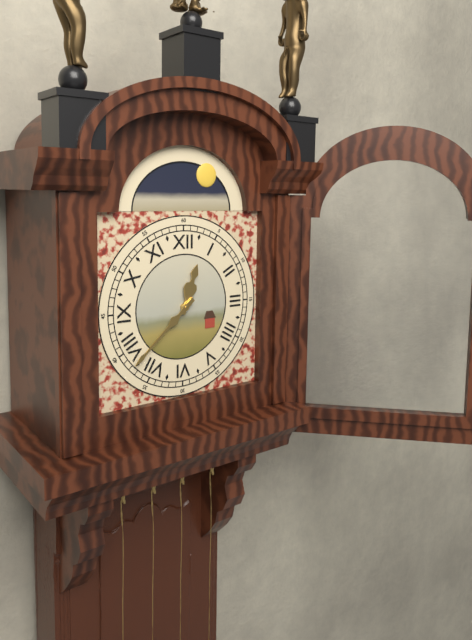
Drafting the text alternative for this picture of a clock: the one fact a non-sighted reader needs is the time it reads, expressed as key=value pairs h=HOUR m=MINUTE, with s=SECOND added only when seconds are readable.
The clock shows h=12 m=38
